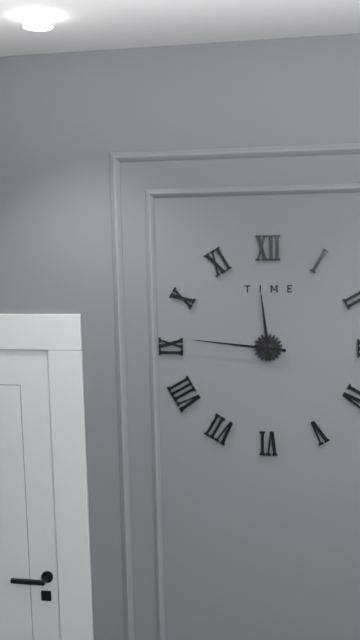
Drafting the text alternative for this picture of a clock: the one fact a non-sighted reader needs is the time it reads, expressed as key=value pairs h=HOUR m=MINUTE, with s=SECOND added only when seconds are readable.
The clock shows h=11 m=46
